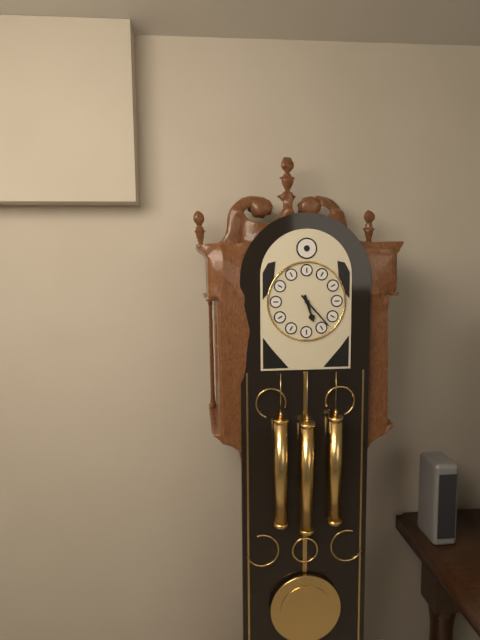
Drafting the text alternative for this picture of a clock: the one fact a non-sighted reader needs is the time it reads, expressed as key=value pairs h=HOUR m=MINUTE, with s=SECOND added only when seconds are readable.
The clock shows h=5 m=23
